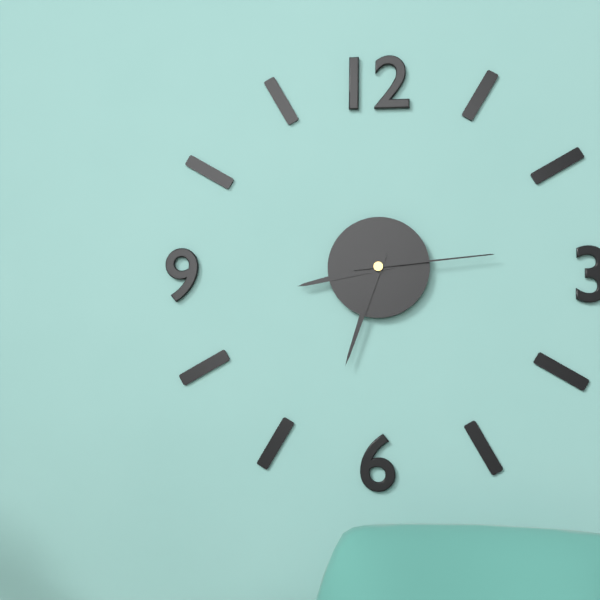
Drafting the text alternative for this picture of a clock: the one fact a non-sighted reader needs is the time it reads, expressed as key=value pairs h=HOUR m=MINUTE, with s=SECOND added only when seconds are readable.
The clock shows h=8 m=33 s=14
